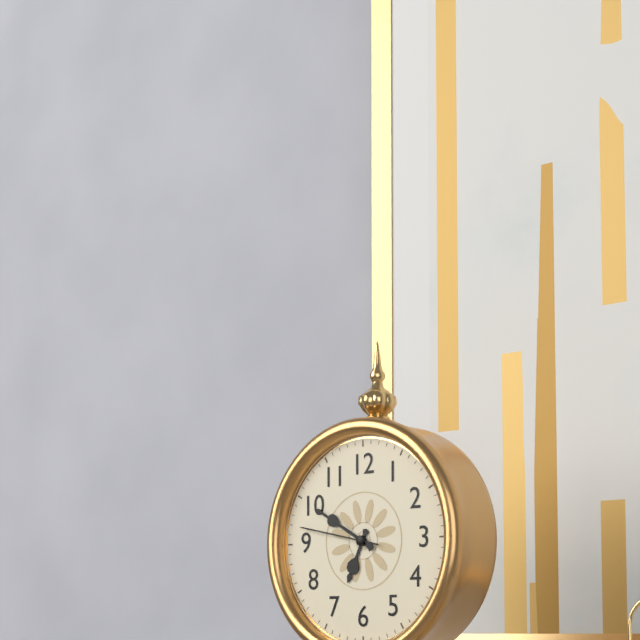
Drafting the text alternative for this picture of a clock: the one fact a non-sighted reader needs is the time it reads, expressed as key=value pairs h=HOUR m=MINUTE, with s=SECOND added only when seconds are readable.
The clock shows h=6 m=50 s=47
